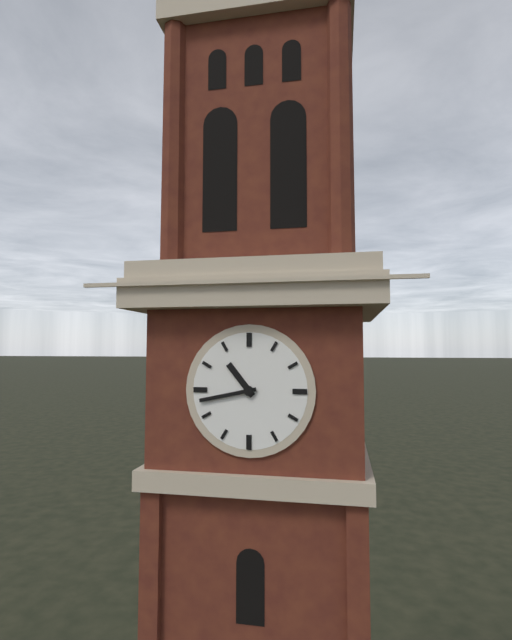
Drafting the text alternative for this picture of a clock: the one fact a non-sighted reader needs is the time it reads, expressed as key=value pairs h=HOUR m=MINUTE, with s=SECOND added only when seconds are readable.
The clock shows h=10 m=43
